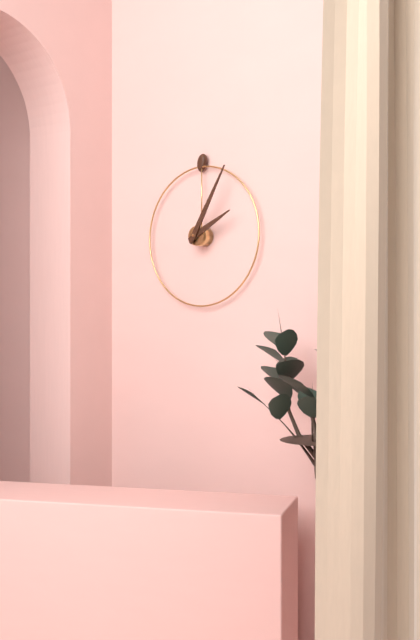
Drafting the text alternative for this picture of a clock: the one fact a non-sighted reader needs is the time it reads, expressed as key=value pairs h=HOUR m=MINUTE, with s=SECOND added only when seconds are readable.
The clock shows h=2 m=5
